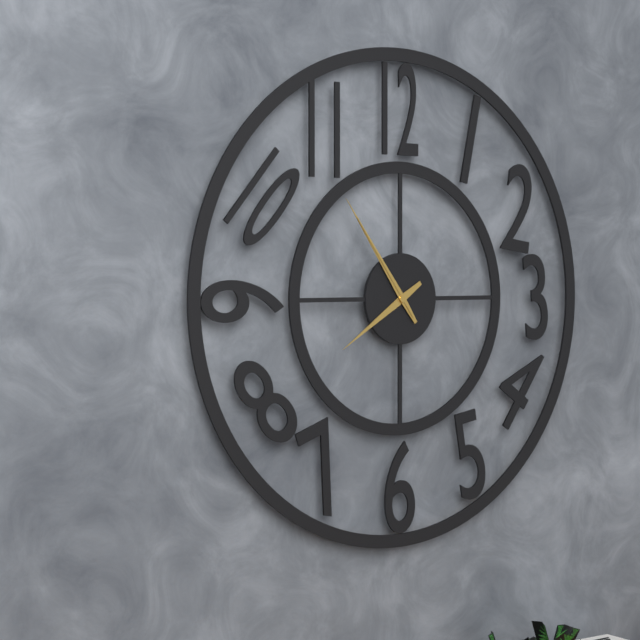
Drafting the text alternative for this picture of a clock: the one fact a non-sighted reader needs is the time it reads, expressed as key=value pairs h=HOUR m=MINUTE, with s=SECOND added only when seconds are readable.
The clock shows h=7 m=54 s=54
